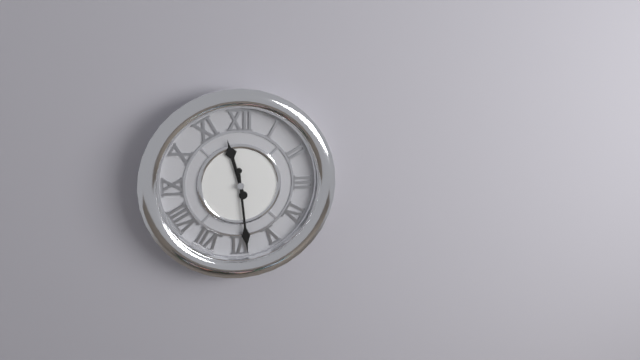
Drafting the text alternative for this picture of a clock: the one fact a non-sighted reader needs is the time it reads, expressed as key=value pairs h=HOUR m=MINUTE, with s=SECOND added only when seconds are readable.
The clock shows h=11 m=29
